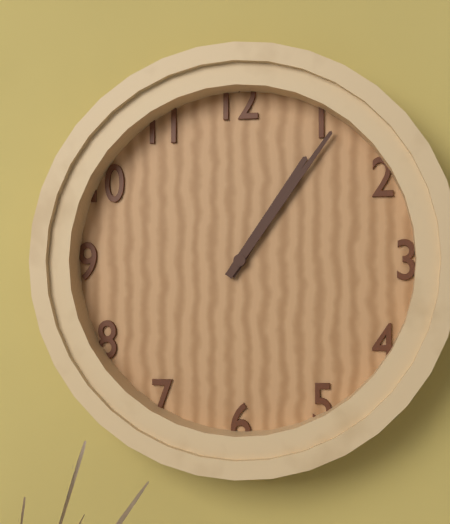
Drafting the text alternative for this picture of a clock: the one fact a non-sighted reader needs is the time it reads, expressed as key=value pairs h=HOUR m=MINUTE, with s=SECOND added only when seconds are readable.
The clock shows h=1 m=6
